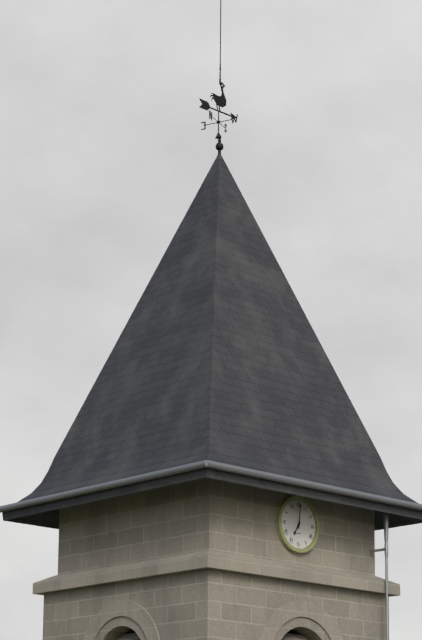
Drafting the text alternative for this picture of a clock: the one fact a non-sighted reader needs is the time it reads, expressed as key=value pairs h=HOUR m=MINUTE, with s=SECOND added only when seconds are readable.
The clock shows h=7 m=1
